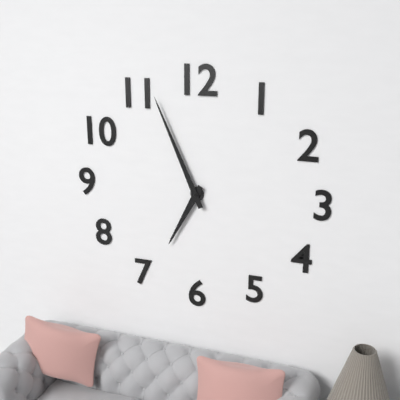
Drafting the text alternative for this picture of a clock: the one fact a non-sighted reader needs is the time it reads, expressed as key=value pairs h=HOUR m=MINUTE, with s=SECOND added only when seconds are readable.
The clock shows h=6 m=56
